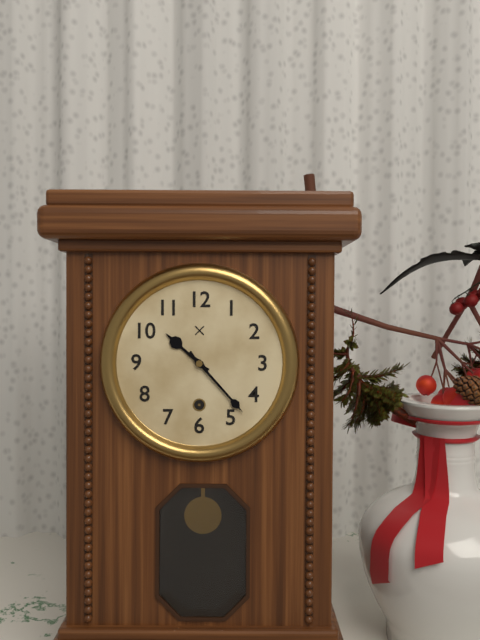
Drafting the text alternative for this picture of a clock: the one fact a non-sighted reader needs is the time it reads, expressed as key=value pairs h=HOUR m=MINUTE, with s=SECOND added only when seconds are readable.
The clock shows h=10 m=23
